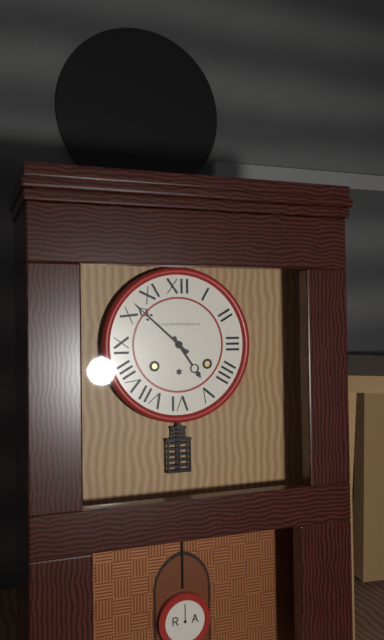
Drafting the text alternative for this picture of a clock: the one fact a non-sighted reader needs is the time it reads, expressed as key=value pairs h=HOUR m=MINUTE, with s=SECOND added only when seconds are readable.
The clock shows h=4 m=52
